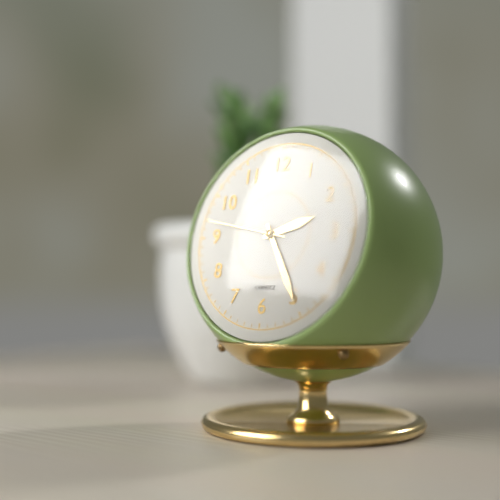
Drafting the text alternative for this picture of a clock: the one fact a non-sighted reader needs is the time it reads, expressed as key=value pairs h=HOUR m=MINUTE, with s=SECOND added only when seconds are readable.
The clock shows h=2 m=25 s=47
